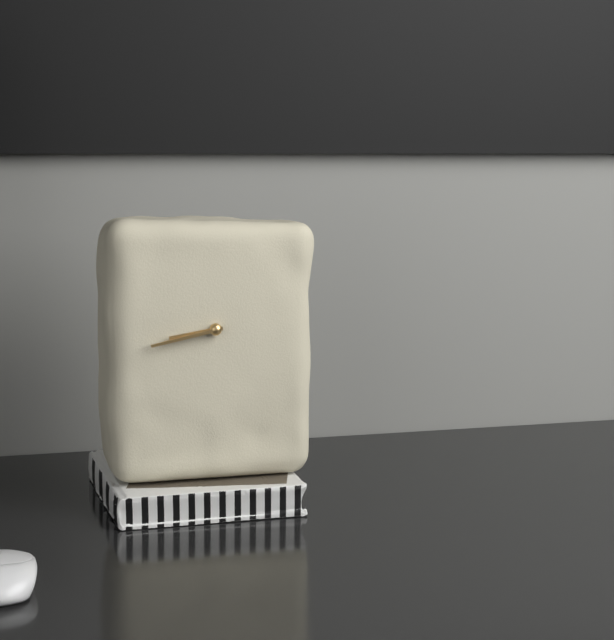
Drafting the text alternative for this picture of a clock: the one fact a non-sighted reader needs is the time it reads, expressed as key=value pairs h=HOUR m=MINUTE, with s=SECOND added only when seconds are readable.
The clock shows h=8 m=43
